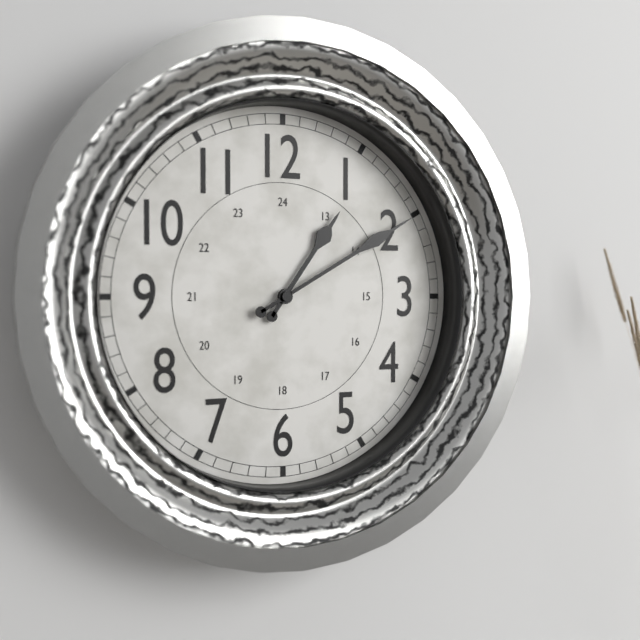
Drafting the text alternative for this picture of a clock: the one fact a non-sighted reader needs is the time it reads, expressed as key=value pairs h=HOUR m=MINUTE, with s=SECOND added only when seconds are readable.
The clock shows h=1 m=10
